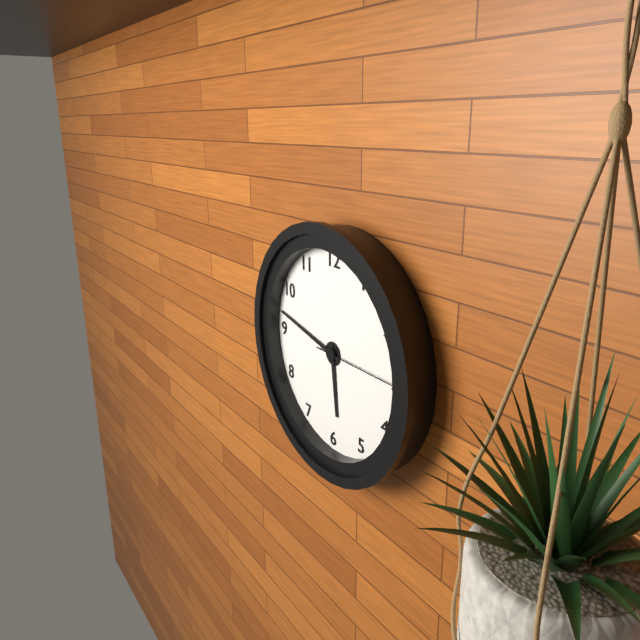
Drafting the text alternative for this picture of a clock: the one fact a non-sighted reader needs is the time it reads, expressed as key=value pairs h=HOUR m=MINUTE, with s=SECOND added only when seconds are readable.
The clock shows h=5 m=47 s=15
